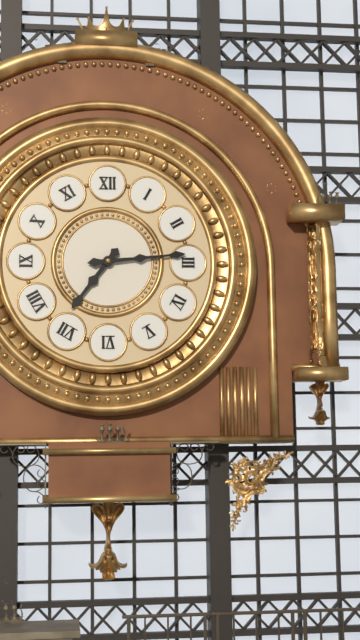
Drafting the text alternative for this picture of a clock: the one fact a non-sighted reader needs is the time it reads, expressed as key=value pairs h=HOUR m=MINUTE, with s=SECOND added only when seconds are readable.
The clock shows h=7 m=14
